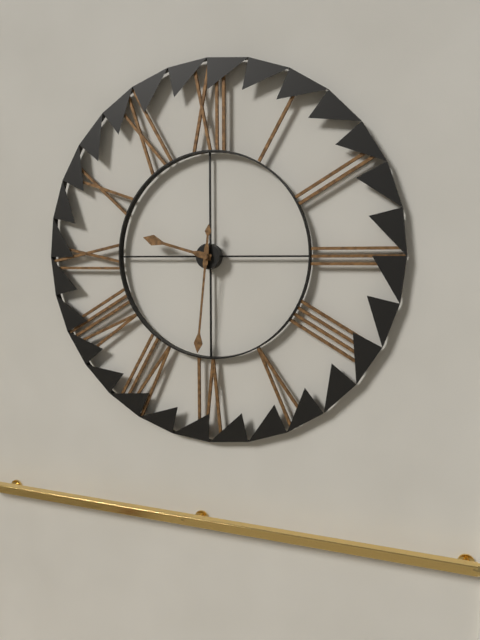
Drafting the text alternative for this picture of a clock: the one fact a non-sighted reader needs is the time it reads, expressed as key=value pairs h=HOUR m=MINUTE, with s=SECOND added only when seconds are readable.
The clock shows h=9 m=31
